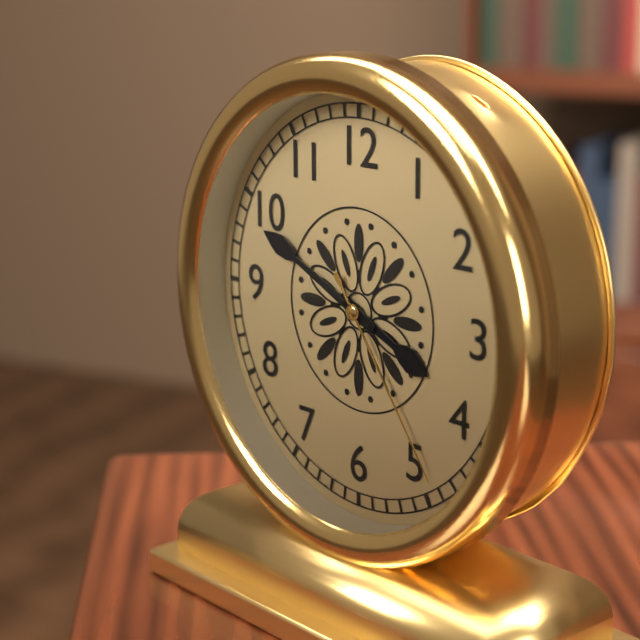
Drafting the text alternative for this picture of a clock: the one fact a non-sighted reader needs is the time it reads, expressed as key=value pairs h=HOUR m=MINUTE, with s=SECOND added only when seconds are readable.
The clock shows h=3 m=49 s=24
